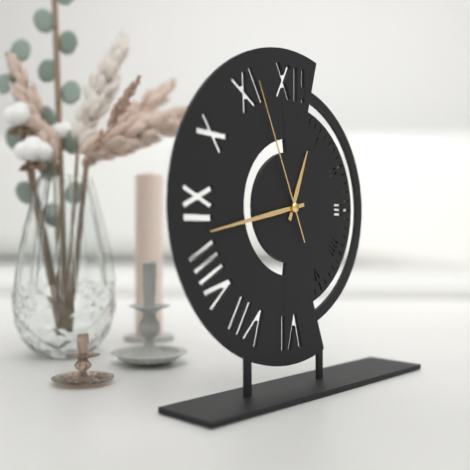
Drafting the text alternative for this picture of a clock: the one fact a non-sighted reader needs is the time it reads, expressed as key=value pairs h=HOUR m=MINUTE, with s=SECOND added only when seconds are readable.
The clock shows h=12 m=43 s=56
